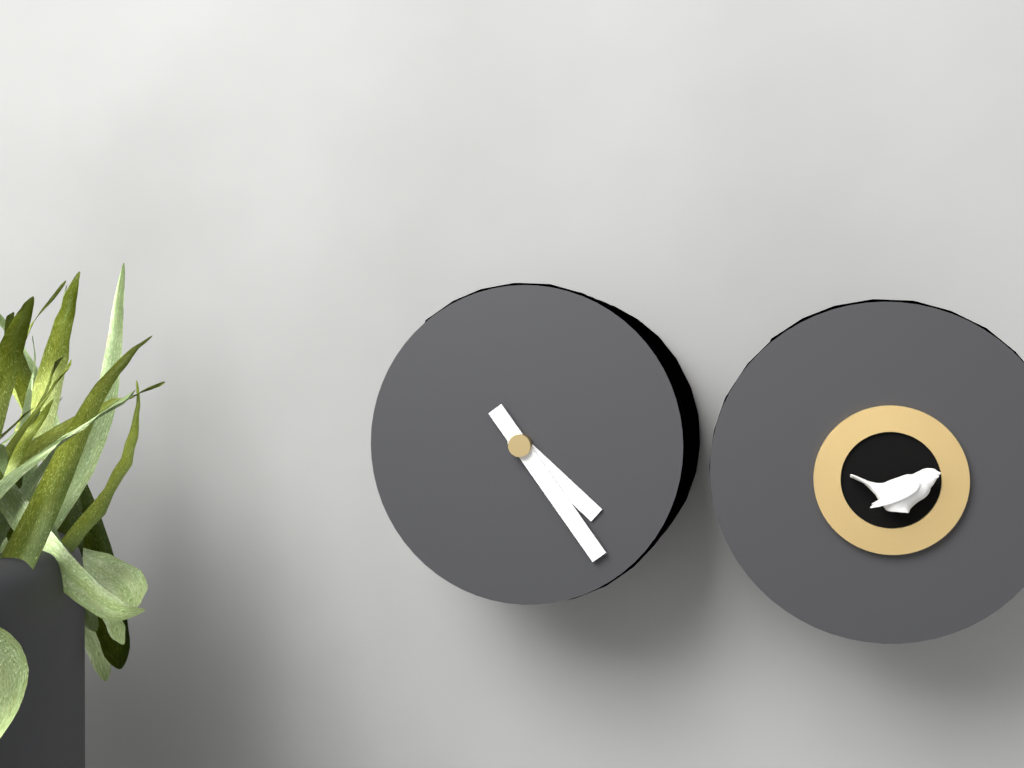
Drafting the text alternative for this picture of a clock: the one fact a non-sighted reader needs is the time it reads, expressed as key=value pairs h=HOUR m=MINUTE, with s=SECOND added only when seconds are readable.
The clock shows h=4 m=24
